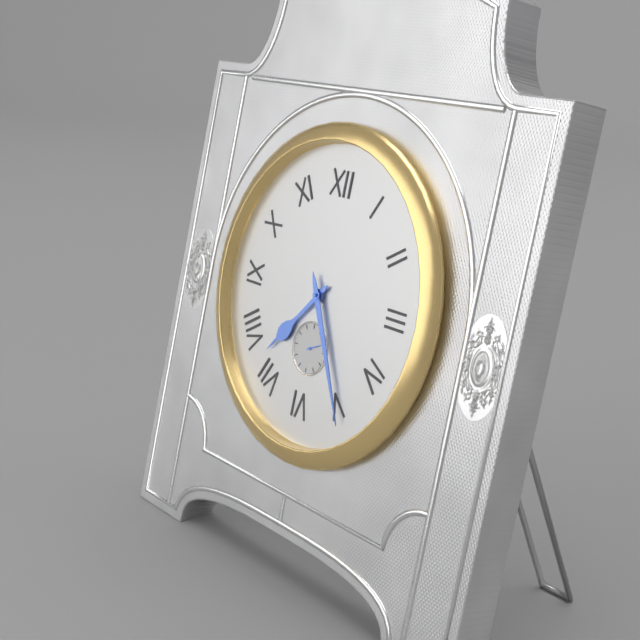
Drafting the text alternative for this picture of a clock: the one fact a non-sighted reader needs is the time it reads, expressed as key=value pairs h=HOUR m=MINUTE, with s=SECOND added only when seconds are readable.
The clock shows h=7 m=25
